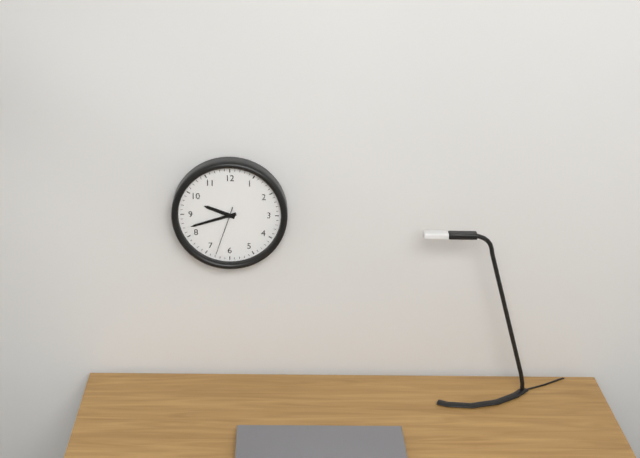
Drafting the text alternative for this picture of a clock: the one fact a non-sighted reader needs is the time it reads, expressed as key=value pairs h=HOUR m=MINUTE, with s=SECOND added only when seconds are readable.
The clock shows h=9 m=42 s=33
